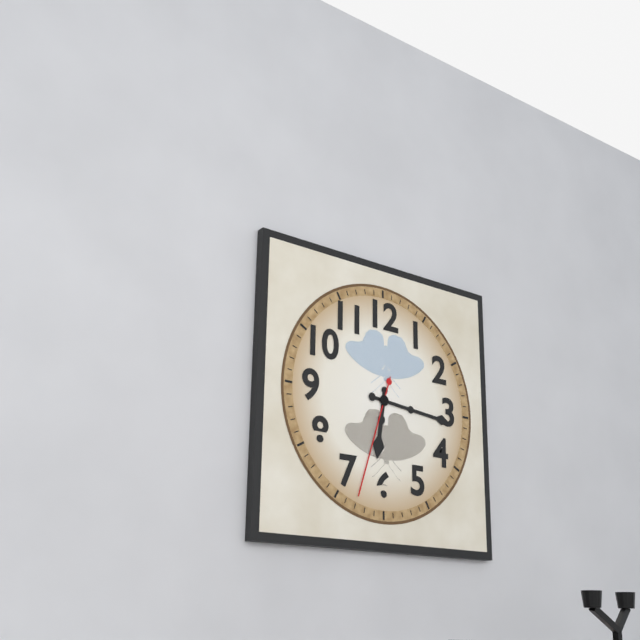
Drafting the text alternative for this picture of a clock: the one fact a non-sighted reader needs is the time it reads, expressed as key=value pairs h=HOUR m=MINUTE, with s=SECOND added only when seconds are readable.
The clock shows h=6 m=16 s=33
